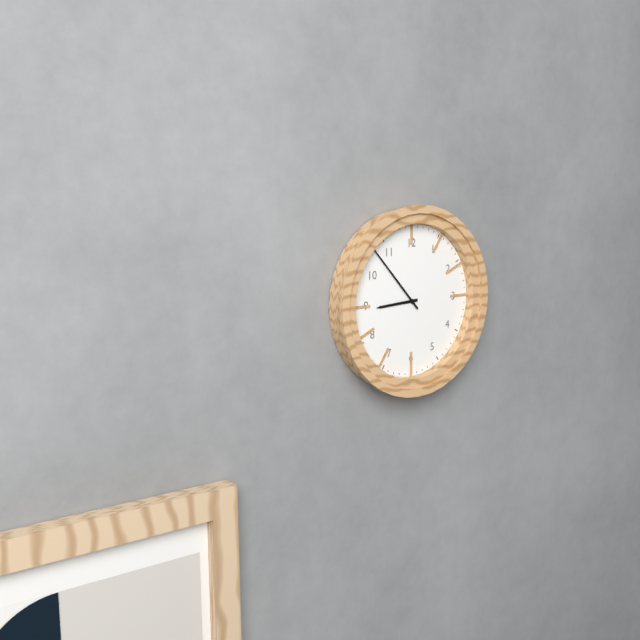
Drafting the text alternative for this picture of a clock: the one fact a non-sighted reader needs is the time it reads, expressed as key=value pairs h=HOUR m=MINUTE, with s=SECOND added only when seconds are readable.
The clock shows h=8 m=53
